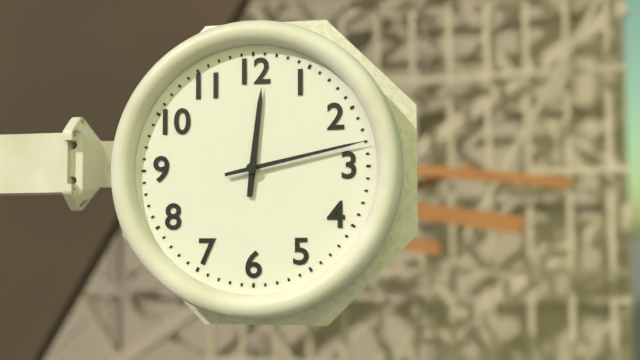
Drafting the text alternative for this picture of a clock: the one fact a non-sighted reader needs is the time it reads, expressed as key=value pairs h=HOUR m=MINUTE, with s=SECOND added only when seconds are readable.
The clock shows h=12 m=13
